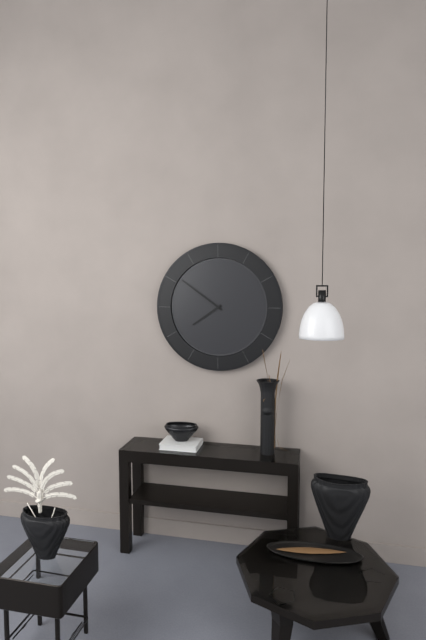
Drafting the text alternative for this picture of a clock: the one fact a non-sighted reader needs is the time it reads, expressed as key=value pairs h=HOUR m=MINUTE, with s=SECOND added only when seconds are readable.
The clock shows h=7 m=51
